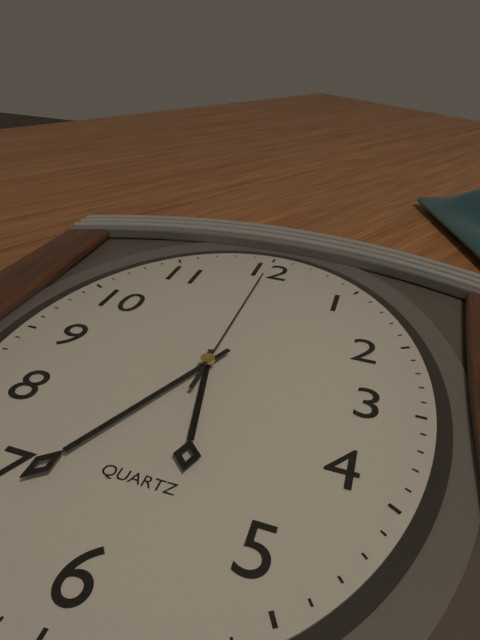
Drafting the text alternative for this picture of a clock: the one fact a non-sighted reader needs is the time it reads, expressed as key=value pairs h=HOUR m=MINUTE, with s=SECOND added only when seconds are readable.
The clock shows h=5 m=34 s=0
